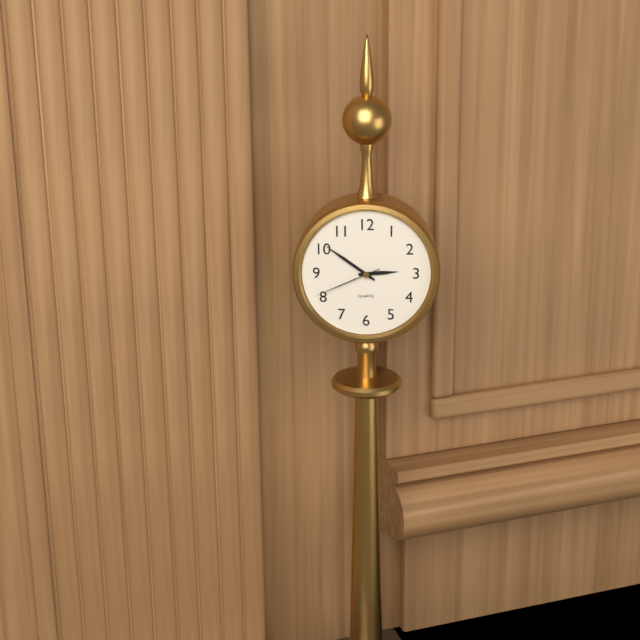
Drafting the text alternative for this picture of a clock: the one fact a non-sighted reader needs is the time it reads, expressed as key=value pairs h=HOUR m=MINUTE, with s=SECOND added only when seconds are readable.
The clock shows h=2 m=51 s=41
